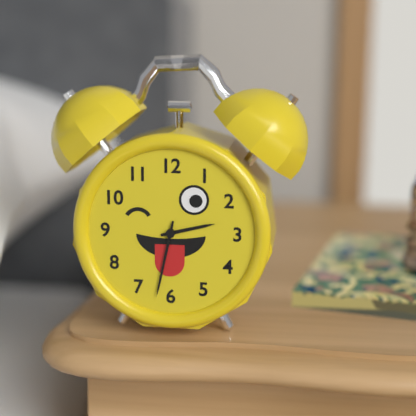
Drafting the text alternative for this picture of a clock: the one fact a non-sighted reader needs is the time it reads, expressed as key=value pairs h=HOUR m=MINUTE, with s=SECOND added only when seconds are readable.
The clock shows h=2 m=32
